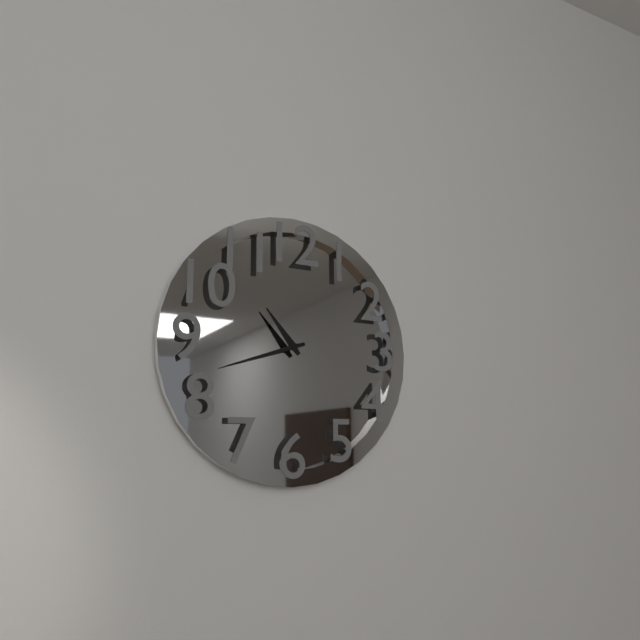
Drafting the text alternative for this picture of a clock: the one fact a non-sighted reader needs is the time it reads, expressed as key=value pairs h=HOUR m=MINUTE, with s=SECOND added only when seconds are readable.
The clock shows h=10 m=42
